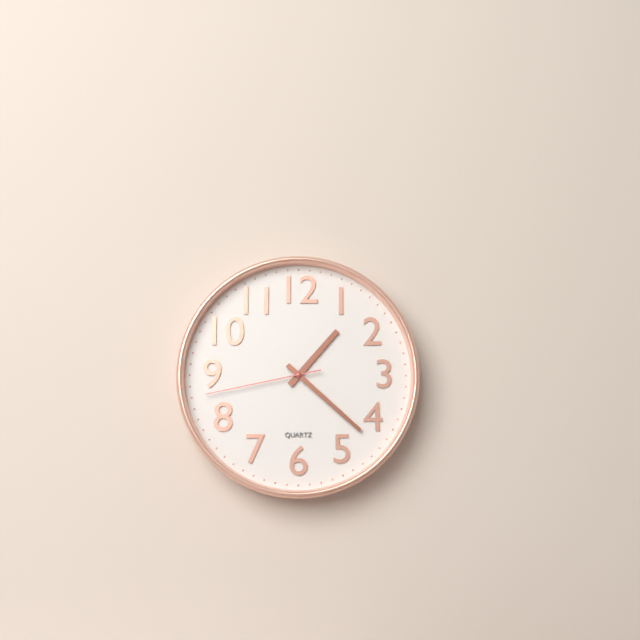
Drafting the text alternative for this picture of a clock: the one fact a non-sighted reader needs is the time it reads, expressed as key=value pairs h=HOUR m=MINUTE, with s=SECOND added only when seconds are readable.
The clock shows h=1 m=22 s=43
